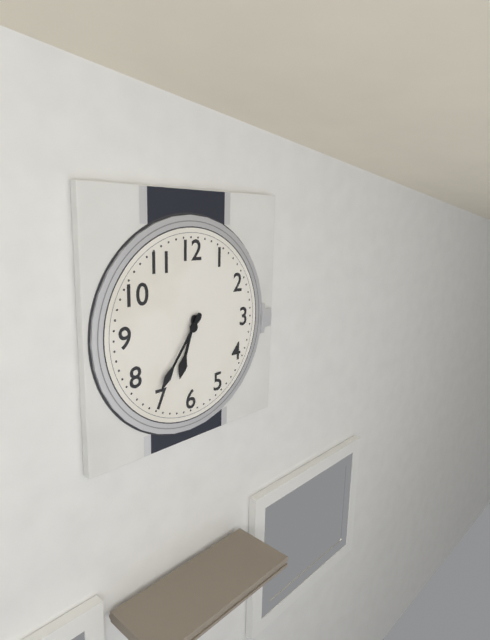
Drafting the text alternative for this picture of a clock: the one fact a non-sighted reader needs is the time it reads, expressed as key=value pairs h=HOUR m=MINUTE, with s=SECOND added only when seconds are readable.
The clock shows h=6 m=36
